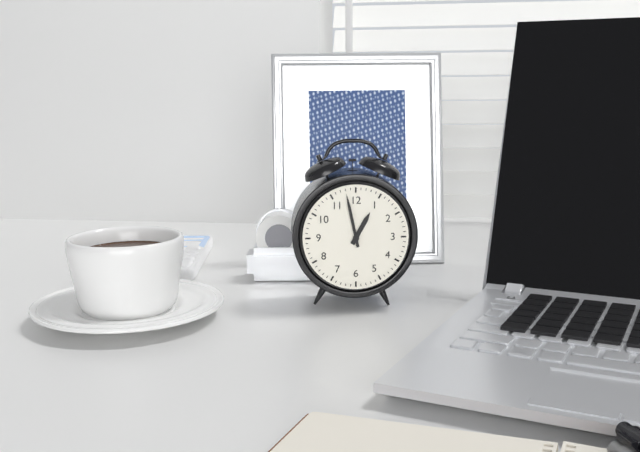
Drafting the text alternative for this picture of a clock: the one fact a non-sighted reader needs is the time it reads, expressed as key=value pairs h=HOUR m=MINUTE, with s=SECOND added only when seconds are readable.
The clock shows h=12 m=58
